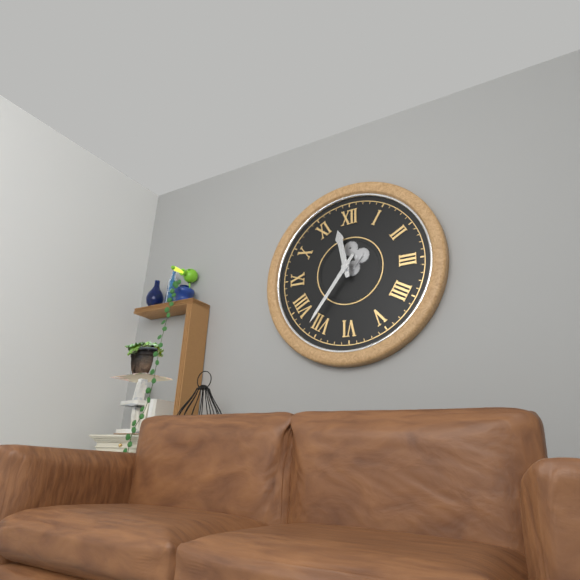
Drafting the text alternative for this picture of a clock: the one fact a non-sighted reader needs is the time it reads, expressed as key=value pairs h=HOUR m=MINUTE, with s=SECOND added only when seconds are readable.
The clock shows h=11 m=36
